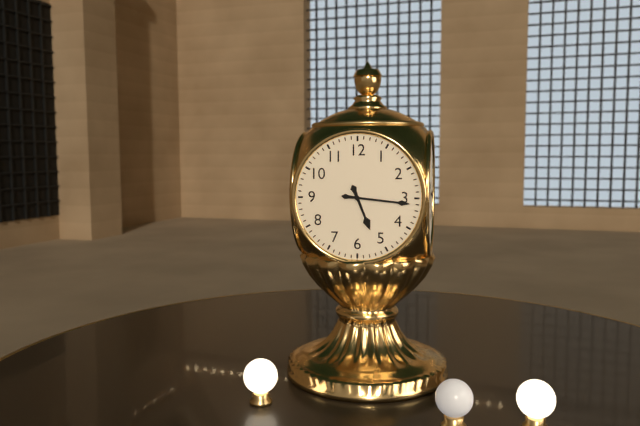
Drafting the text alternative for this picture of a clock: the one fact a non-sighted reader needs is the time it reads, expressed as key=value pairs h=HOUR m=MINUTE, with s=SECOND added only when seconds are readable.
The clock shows h=5 m=16
